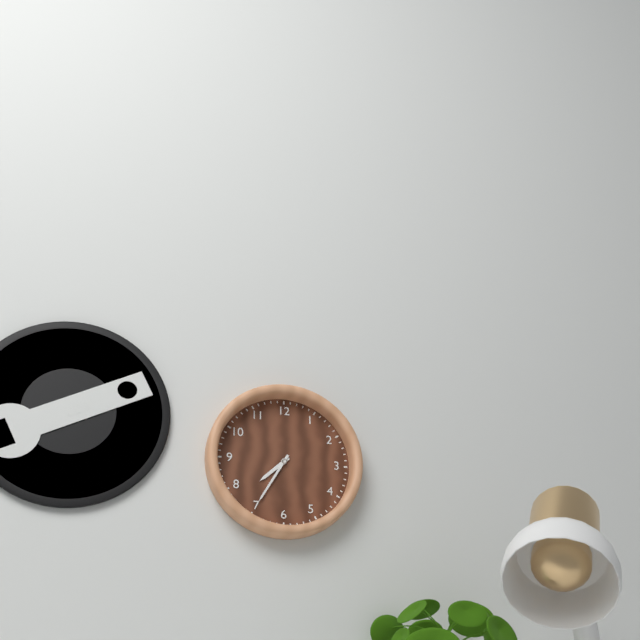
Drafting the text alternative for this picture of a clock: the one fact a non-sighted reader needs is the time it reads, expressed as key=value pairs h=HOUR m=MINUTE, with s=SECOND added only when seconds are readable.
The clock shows h=7 m=35
